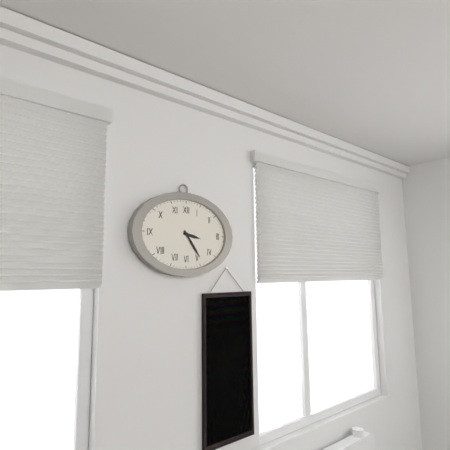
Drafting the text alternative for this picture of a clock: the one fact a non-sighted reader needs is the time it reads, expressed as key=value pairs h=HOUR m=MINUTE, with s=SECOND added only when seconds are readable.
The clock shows h=3 m=24
